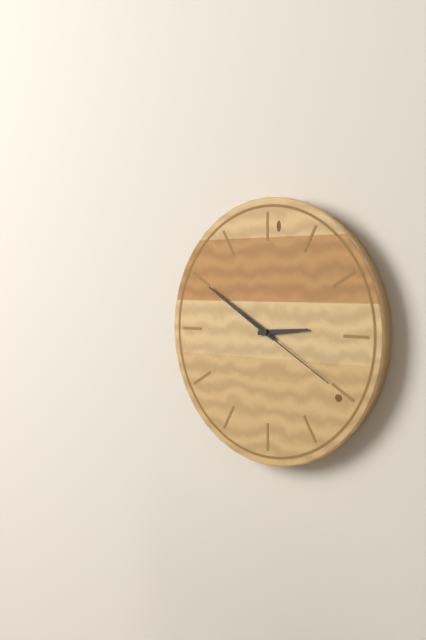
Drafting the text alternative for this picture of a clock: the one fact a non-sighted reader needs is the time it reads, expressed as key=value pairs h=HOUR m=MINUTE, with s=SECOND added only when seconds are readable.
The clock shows h=2 m=50 s=20
